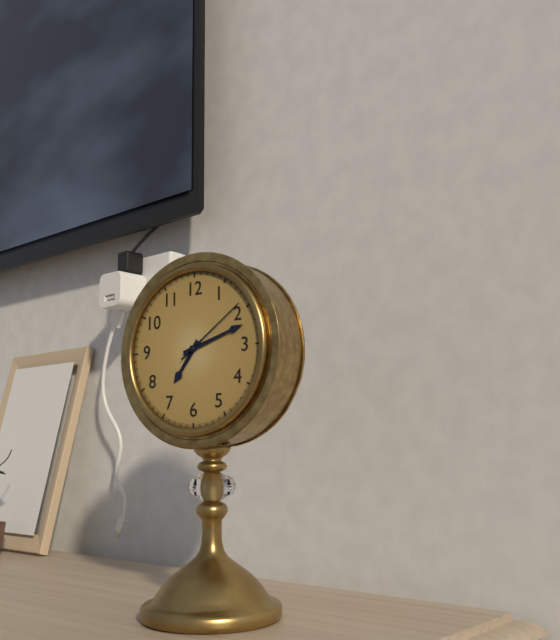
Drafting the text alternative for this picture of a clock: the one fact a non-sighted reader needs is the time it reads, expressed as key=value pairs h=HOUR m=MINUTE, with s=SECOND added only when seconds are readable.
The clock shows h=7 m=12 s=9
